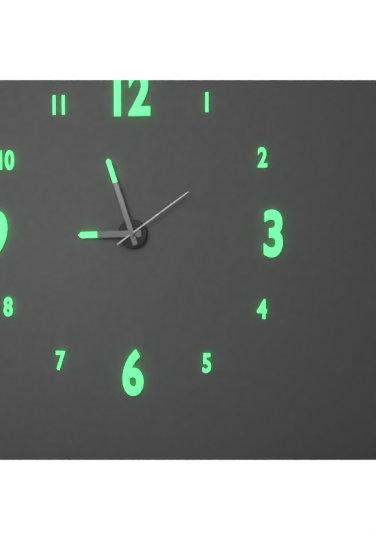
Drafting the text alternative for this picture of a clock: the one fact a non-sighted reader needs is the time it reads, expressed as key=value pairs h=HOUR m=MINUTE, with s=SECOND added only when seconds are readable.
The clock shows h=8 m=57 s=9
